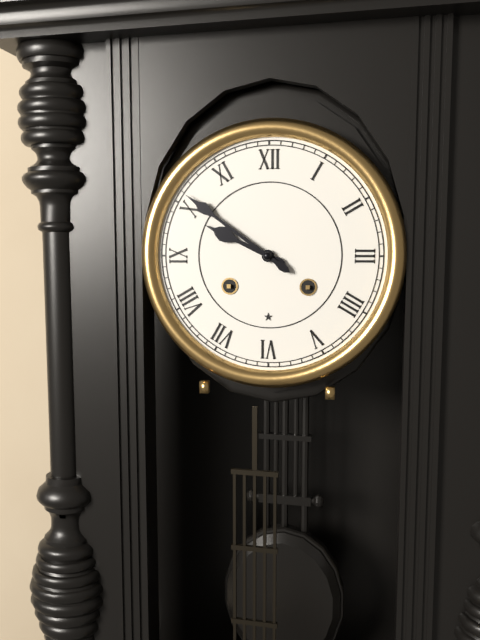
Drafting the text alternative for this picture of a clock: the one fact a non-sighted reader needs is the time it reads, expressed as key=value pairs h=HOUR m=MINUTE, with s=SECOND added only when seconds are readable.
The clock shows h=9 m=51
